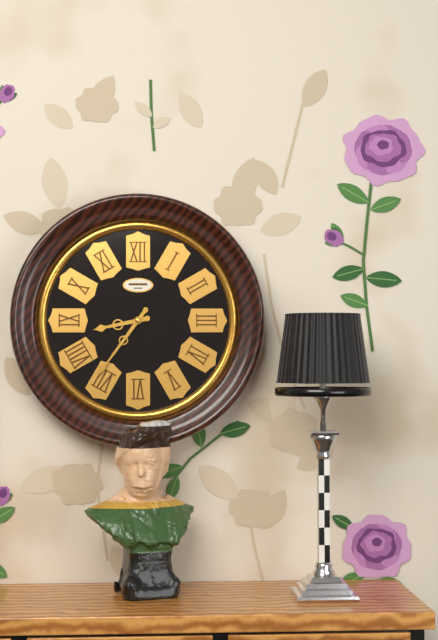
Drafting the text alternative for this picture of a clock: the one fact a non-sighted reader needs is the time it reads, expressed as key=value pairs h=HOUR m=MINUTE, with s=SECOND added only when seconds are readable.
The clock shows h=8 m=36
